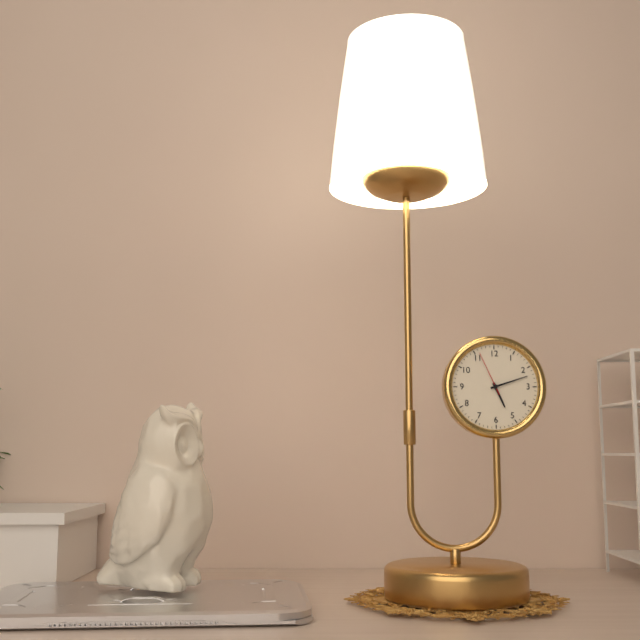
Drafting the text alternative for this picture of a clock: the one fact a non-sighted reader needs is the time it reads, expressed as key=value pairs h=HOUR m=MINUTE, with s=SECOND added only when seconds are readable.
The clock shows h=5 m=12
